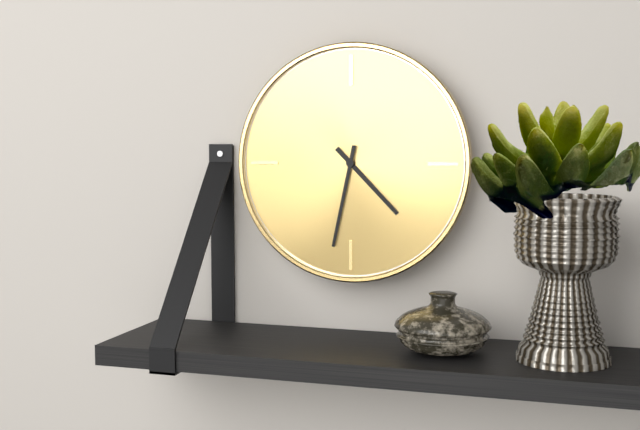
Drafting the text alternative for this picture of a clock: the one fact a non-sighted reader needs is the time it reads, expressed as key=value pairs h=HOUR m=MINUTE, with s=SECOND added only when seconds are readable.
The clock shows h=4 m=32
